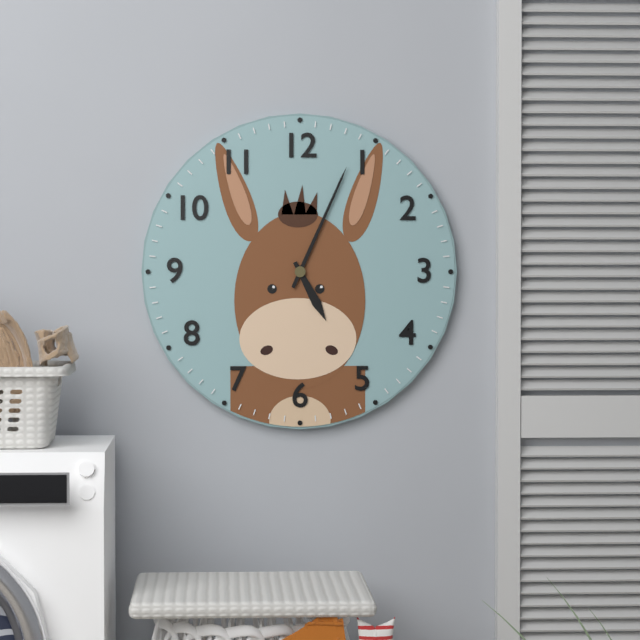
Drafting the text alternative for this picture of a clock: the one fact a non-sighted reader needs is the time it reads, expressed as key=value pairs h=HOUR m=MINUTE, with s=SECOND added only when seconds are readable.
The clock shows h=5 m=4
